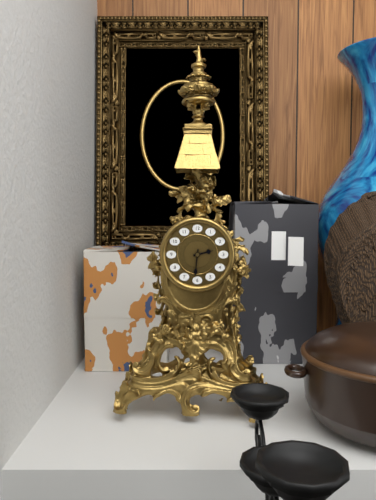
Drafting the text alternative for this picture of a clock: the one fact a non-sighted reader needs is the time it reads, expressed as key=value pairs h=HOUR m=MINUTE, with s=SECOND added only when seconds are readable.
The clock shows h=2 m=31
